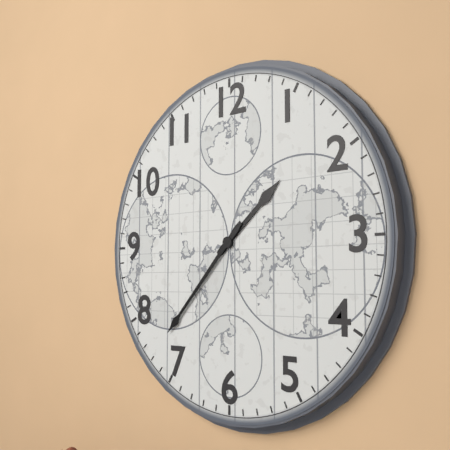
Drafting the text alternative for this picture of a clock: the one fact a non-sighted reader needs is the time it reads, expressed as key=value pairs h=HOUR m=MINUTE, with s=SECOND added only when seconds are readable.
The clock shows h=1 m=37
